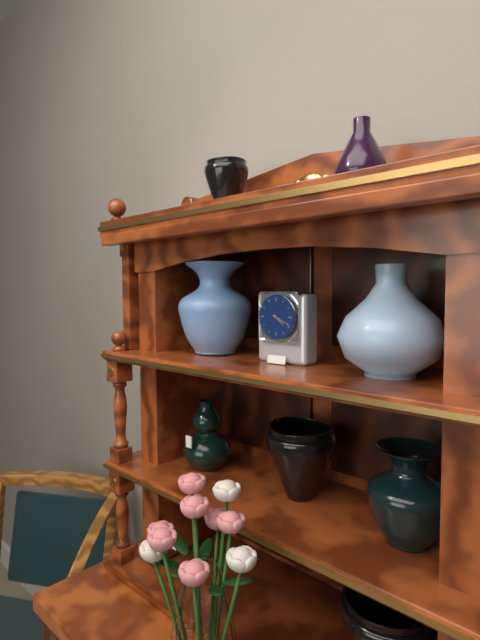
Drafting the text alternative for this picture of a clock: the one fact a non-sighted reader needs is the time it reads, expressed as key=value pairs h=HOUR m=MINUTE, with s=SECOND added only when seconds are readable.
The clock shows h=4 m=19
